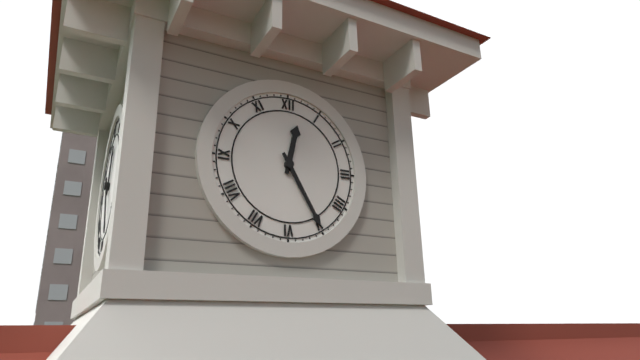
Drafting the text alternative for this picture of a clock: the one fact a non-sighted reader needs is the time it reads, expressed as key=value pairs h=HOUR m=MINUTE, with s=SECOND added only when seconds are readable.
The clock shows h=12 m=25
